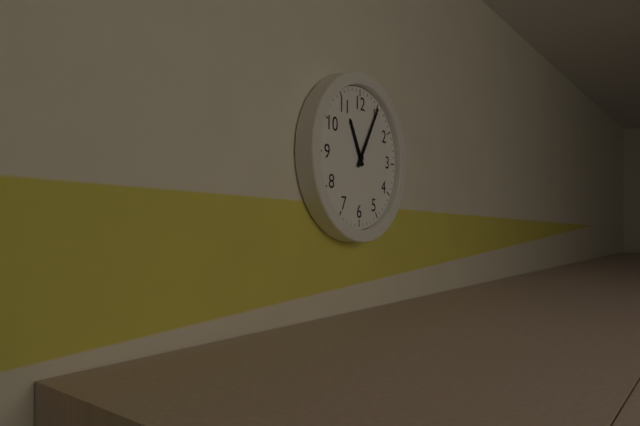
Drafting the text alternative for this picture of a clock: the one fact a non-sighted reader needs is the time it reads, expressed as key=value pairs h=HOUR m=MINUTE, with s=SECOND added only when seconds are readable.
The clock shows h=11 m=5
